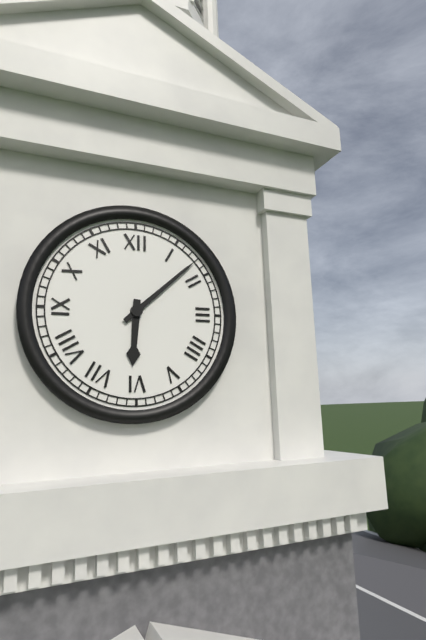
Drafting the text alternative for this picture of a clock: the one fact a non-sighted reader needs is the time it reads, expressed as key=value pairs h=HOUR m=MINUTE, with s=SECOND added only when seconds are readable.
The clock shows h=6 m=8
